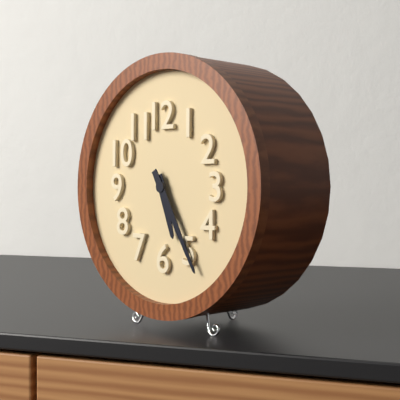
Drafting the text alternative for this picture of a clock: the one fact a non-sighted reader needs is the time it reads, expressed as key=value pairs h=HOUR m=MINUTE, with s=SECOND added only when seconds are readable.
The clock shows h=5 m=25
